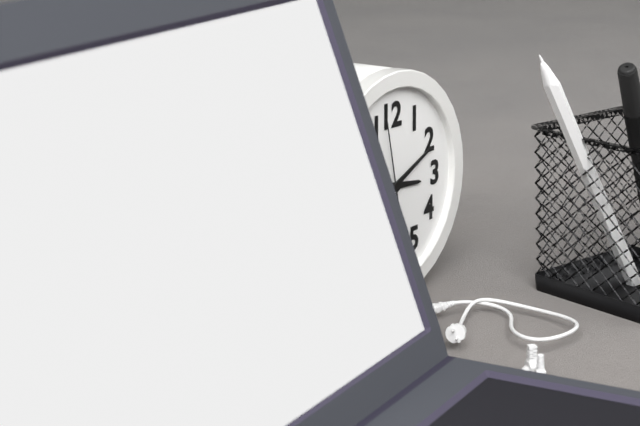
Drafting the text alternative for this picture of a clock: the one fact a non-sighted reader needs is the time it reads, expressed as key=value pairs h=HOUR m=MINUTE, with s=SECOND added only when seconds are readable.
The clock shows h=3 m=11 s=58
